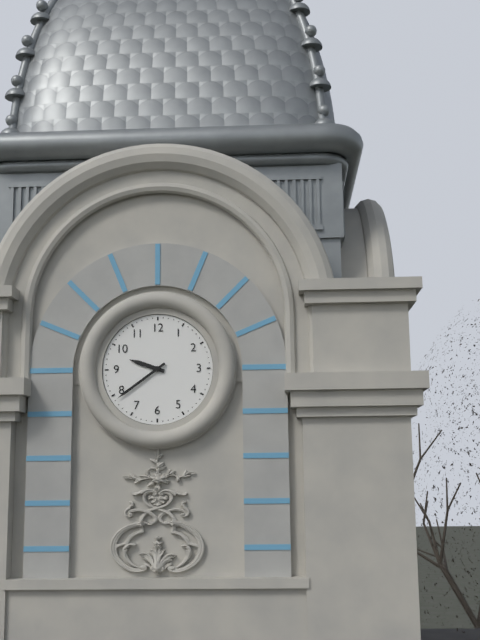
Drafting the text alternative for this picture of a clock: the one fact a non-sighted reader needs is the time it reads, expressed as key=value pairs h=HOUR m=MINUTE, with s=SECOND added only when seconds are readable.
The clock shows h=9 m=39
